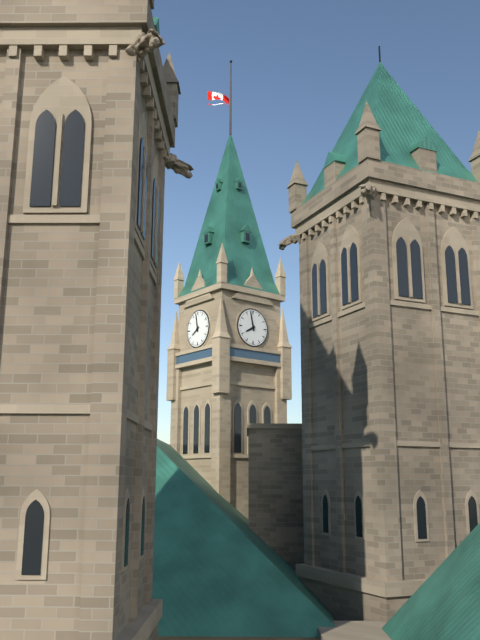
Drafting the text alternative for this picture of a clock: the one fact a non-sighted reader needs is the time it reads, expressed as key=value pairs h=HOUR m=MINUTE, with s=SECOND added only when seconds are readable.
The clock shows h=7 m=58
